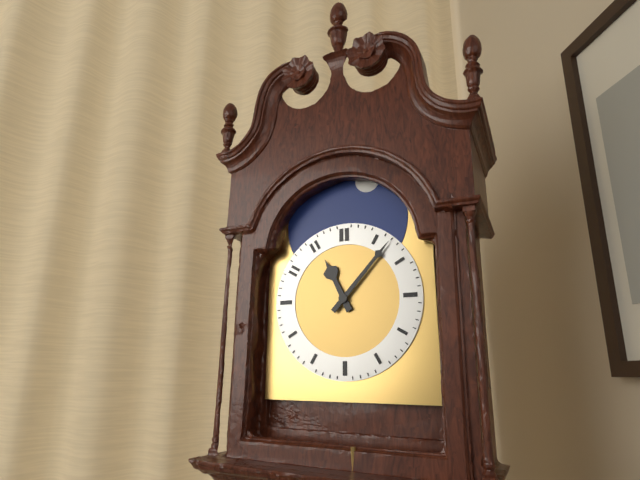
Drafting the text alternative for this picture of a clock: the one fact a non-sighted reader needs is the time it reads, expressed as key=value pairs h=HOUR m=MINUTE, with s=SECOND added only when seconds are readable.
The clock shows h=11 m=7
